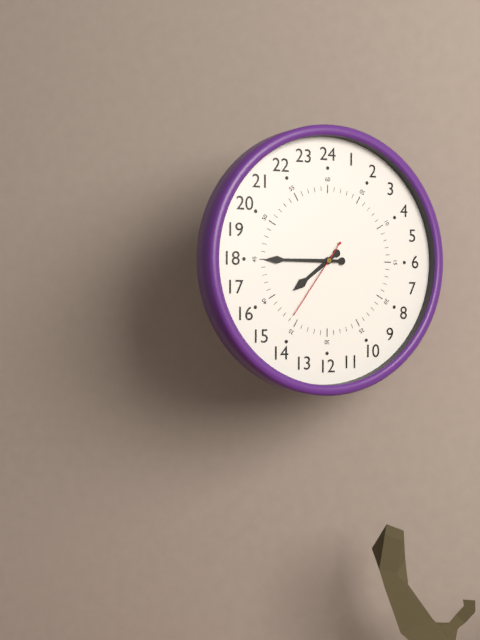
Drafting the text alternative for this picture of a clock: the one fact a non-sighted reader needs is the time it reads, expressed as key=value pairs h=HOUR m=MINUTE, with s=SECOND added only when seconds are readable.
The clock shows h=7 m=45 s=36
